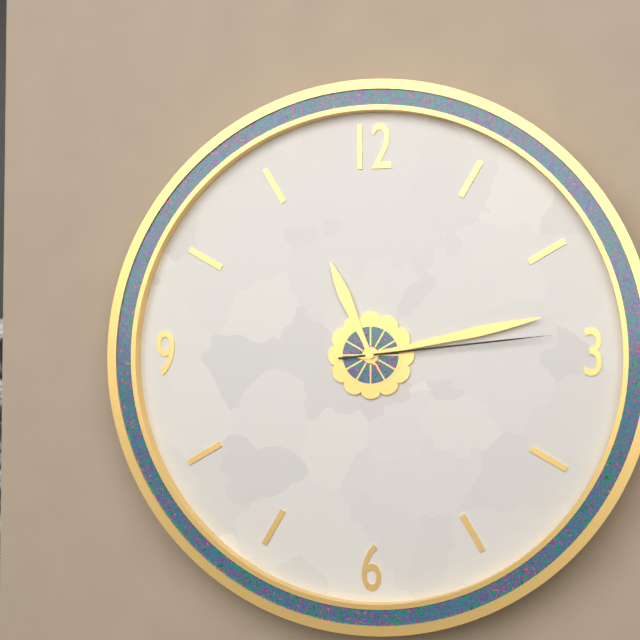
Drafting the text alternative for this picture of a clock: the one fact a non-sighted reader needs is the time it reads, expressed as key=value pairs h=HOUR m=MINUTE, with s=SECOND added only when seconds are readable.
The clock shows h=11 m=13 s=14
